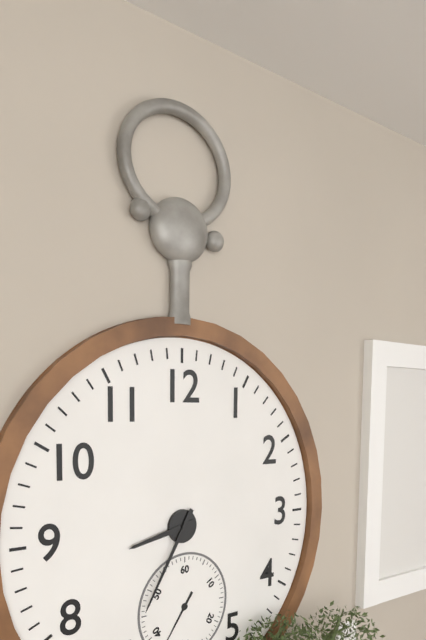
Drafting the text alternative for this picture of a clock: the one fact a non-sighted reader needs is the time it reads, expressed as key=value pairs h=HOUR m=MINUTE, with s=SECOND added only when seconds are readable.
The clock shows h=8 m=35
